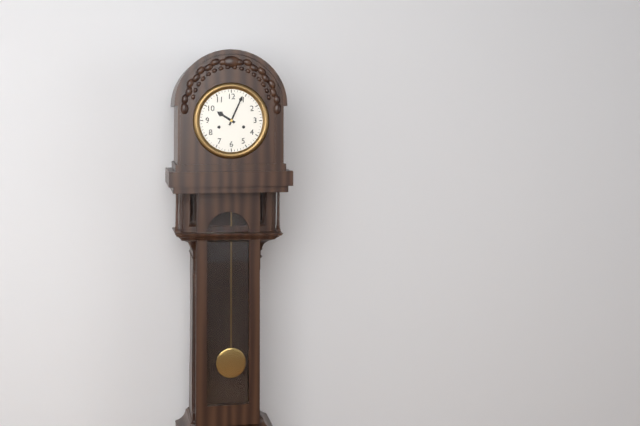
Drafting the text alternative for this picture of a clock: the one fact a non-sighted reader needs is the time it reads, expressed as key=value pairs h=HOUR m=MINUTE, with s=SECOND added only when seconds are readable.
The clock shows h=10 m=4
